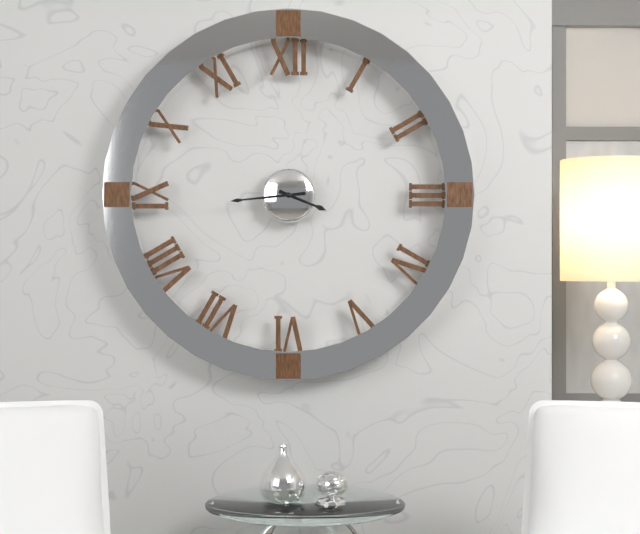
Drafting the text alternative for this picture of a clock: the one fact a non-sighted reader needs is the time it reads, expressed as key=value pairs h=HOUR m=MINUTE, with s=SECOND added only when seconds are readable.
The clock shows h=3 m=44
